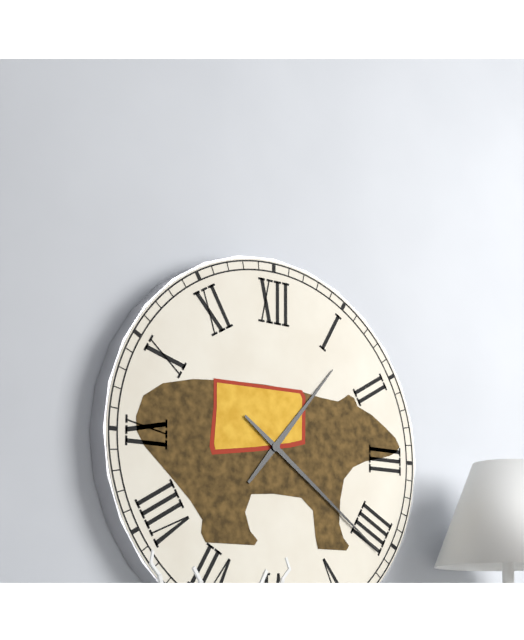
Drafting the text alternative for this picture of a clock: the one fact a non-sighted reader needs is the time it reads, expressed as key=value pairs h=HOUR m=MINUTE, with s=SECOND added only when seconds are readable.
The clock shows h=1 m=21
